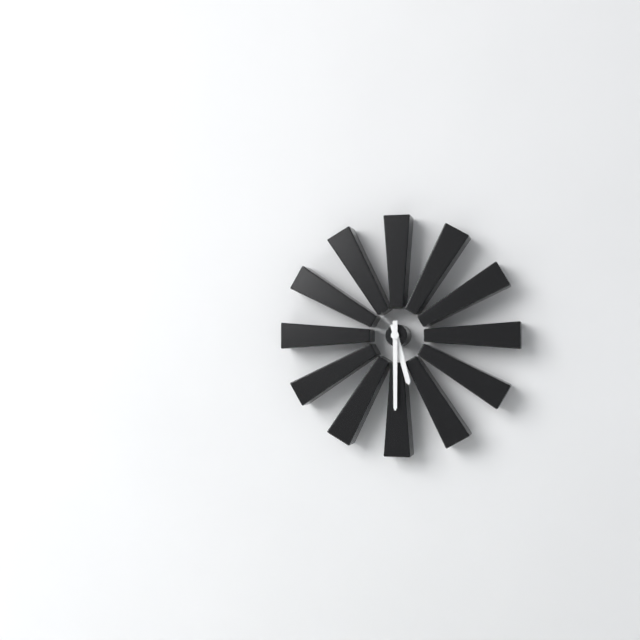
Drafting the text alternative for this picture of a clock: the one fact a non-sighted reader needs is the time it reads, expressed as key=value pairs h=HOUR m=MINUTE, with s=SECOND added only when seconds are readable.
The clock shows h=5 m=30
